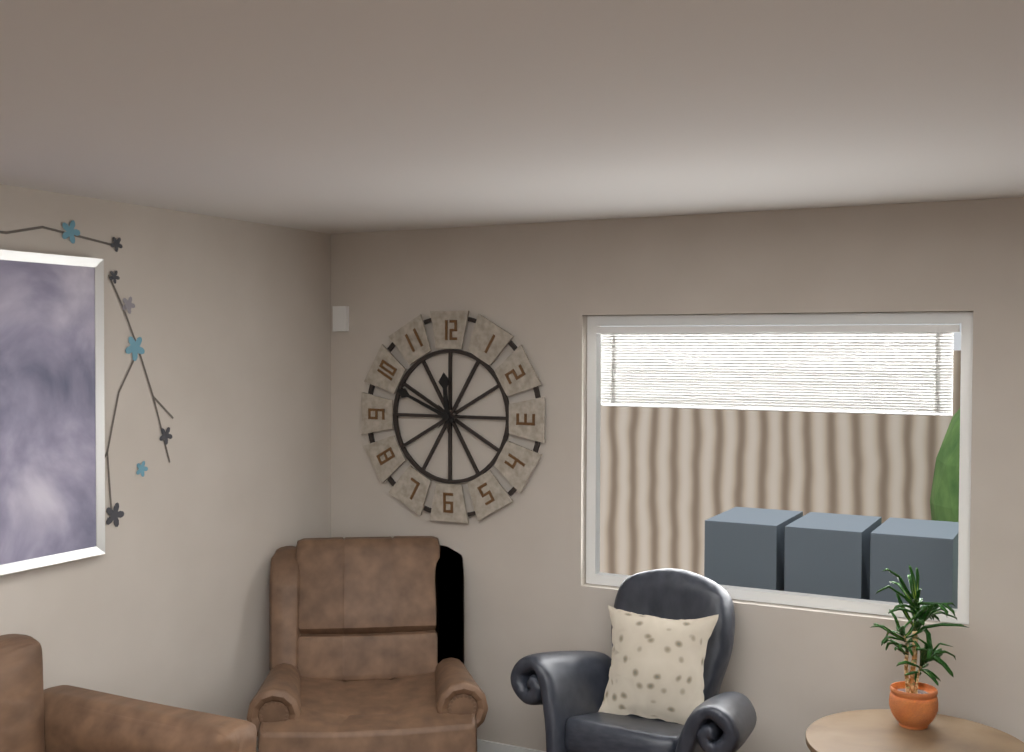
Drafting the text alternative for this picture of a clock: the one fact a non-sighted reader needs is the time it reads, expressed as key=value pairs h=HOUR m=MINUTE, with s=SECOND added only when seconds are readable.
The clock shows h=11 m=49
